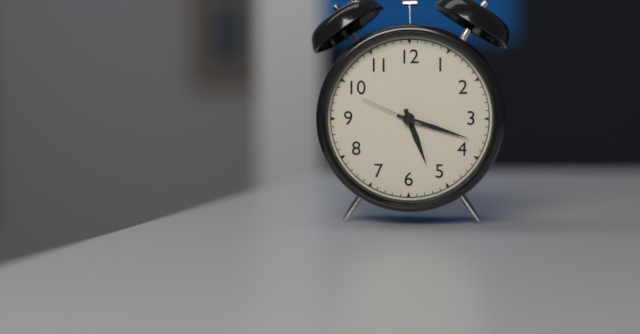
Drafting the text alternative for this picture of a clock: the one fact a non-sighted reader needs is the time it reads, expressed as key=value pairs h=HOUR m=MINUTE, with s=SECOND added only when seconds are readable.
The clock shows h=5 m=18 s=49
